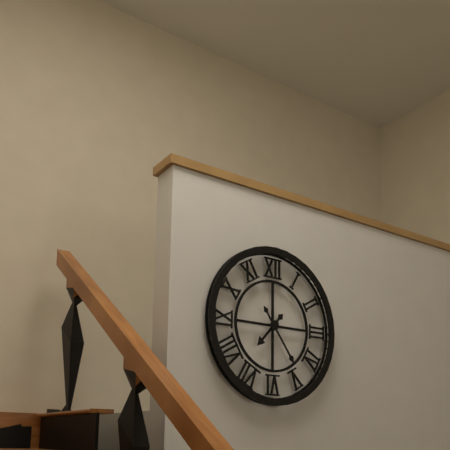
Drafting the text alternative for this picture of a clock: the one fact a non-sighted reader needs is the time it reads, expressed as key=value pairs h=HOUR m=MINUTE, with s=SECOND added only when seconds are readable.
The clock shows h=7 m=24
